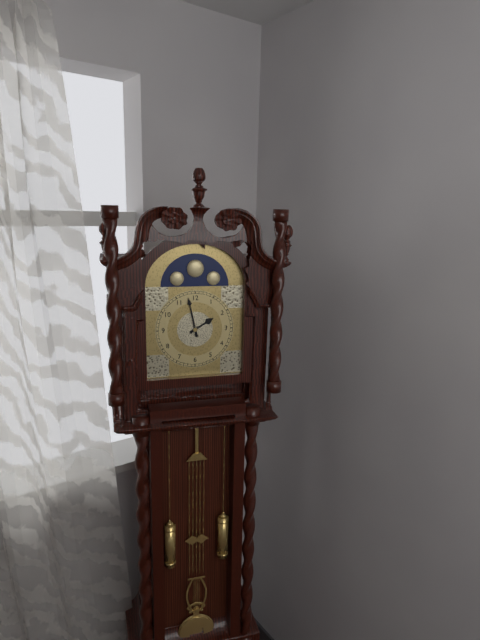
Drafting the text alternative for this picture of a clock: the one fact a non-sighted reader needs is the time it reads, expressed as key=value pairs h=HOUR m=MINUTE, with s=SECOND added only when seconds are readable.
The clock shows h=1 m=58
